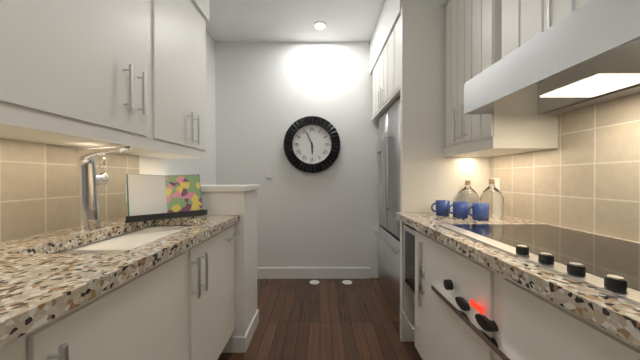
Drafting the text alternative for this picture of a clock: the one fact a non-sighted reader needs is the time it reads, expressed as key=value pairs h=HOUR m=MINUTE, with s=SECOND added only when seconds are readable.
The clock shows h=5 m=56
